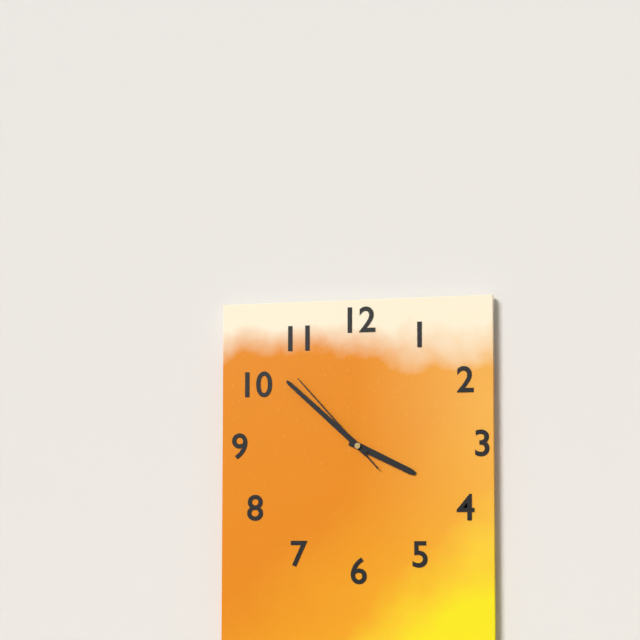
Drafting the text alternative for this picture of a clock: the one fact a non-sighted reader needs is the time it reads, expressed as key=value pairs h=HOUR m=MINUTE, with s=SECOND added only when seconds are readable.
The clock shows h=3 m=52 s=53
